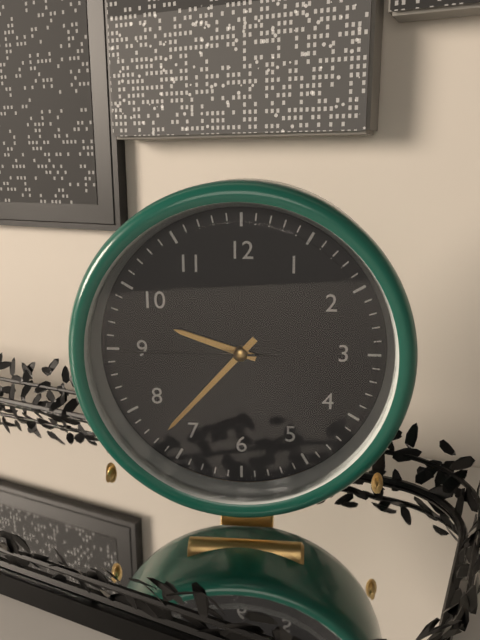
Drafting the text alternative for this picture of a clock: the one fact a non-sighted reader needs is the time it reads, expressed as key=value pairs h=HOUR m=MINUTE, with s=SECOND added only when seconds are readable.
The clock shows h=9 m=37 s=45
